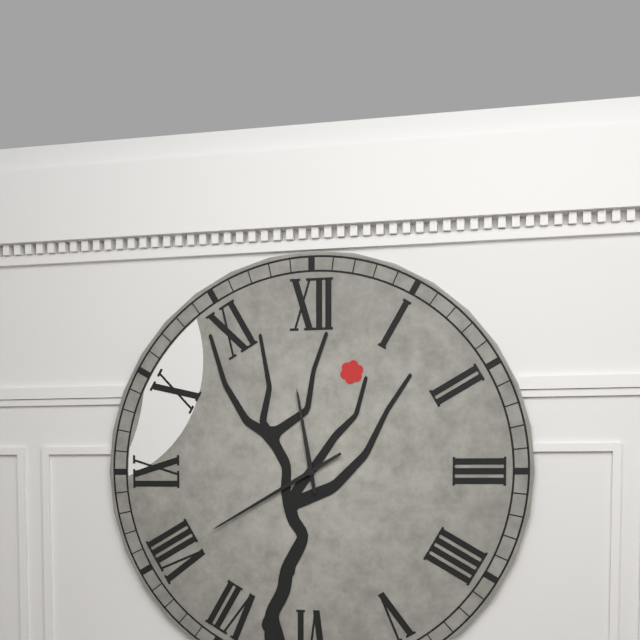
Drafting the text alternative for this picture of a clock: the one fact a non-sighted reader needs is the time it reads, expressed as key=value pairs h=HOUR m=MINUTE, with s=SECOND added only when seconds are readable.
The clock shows h=11 m=40
